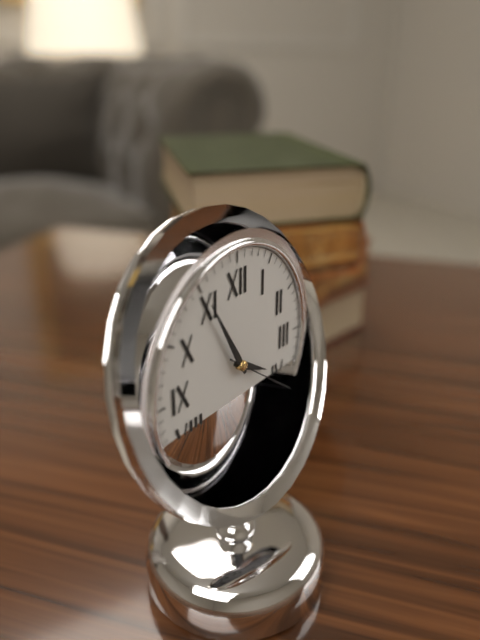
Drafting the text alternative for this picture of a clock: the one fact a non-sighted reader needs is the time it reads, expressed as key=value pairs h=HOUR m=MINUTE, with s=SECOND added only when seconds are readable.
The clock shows h=3 m=55 s=21
